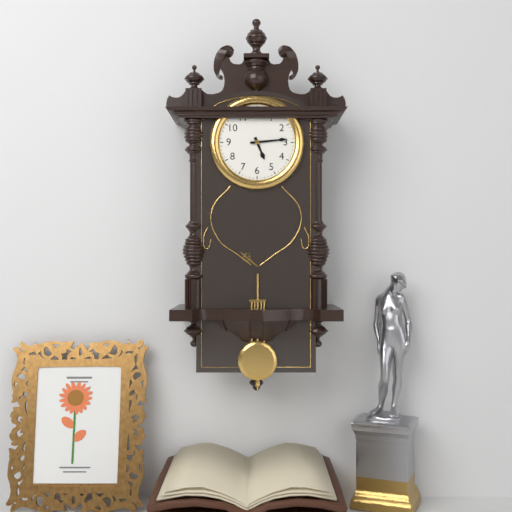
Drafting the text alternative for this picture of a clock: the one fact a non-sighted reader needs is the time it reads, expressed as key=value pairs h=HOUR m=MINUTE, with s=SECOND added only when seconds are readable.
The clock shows h=5 m=14
